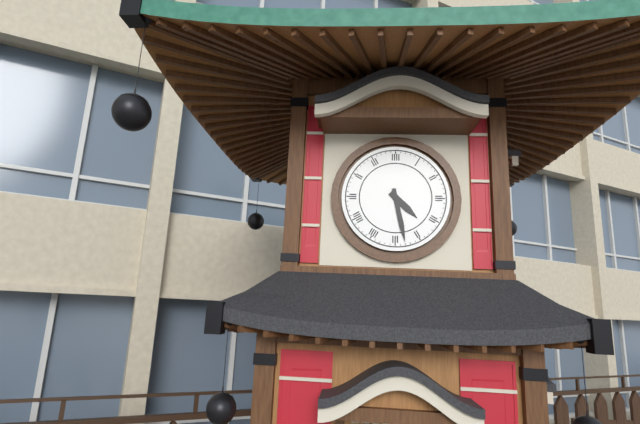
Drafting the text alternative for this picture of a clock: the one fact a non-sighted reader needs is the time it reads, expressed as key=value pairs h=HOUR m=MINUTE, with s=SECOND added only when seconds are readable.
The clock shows h=4 m=28
